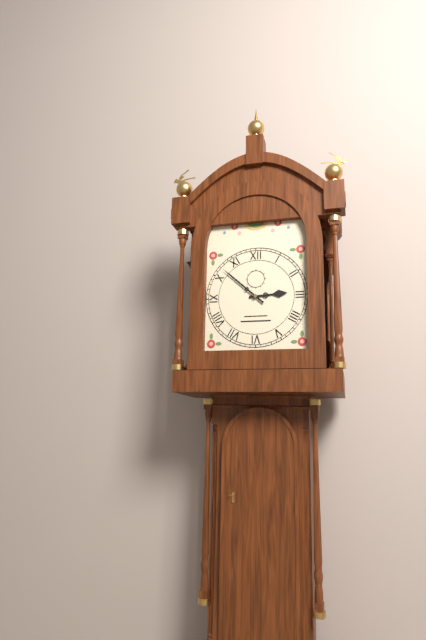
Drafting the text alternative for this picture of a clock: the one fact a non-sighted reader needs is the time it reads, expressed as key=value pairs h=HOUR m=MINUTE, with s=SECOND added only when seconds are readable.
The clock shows h=2 m=52
